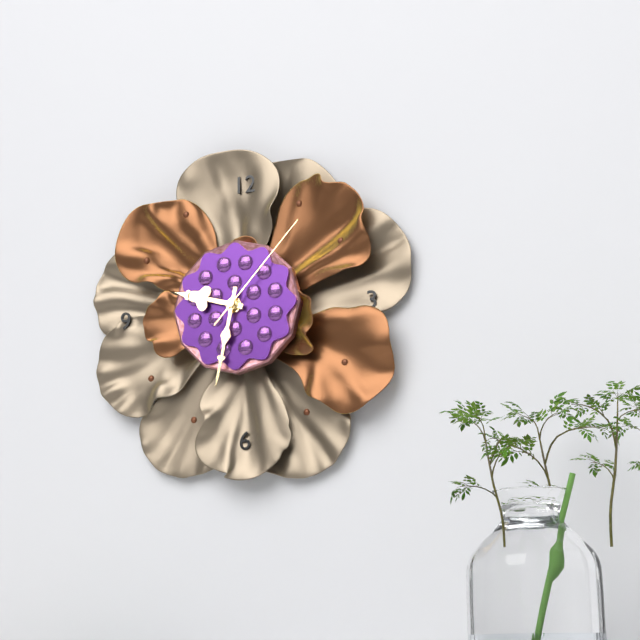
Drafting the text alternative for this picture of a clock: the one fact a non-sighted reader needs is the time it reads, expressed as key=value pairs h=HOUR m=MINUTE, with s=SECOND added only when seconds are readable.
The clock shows h=9 m=32 s=7
